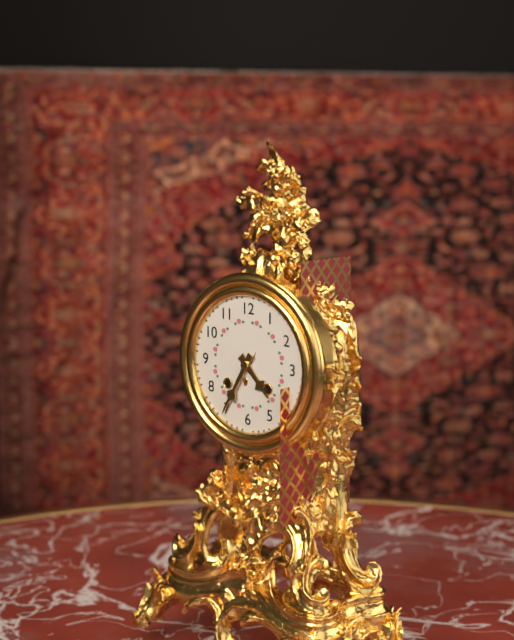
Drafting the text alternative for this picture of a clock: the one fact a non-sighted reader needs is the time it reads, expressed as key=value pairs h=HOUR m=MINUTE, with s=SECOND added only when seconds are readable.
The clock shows h=4 m=35
